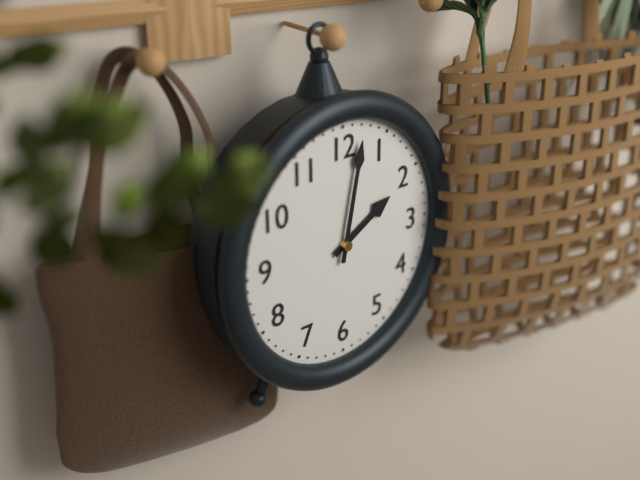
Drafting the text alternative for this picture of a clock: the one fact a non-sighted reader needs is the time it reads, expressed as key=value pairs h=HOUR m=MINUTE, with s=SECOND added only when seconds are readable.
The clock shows h=2 m=2
